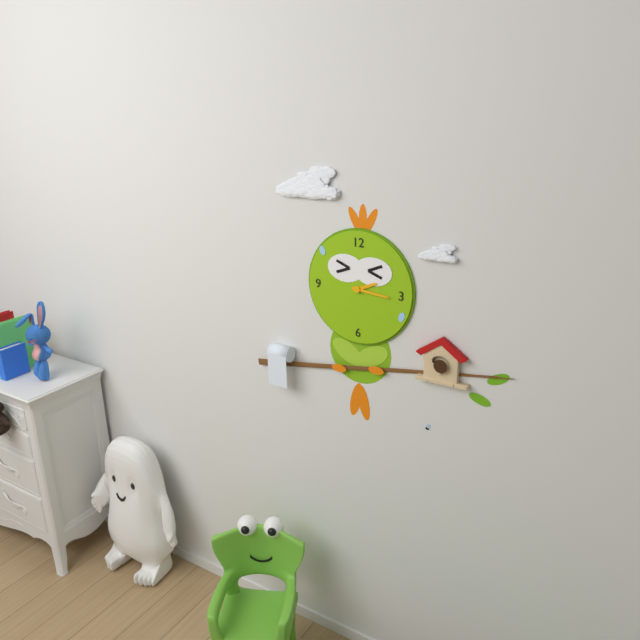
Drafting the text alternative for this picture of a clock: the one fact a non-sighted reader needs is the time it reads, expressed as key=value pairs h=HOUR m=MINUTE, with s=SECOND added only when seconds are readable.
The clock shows h=2 m=16
